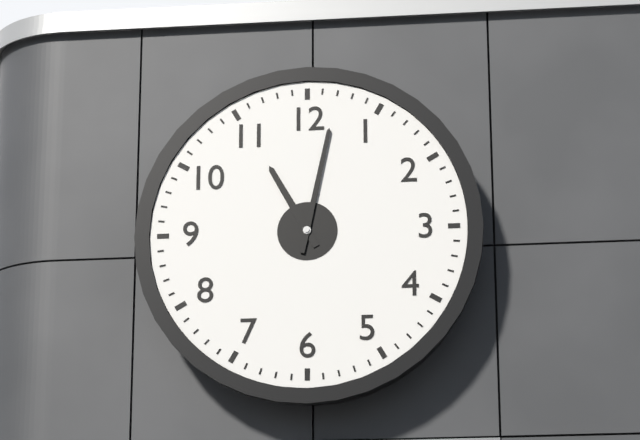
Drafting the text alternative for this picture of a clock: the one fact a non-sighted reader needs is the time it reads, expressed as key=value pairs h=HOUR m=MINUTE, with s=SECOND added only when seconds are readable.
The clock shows h=11 m=2
